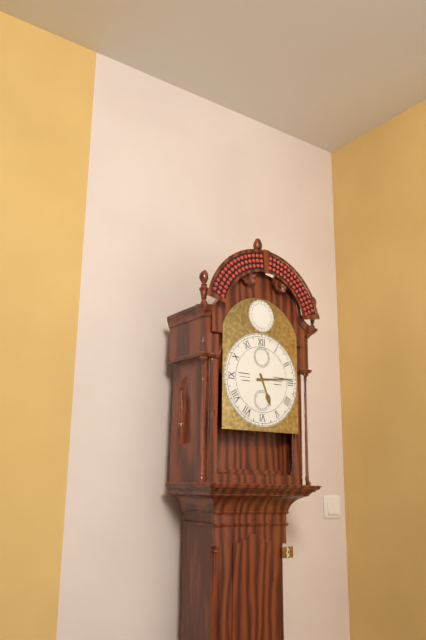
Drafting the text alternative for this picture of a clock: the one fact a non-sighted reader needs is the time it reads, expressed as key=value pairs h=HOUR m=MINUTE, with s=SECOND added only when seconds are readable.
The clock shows h=5 m=14
